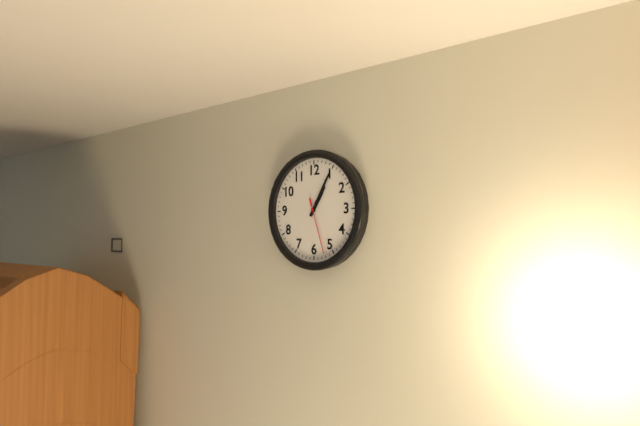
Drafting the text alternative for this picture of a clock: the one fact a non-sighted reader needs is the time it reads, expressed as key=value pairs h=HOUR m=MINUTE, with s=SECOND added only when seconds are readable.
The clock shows h=1 m=5 s=27
